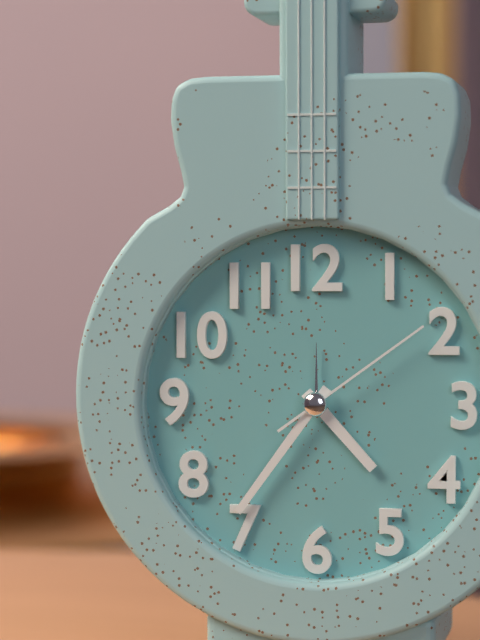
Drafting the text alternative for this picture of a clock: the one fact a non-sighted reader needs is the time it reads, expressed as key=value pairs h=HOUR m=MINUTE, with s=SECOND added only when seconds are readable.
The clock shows h=4 m=36 s=9
